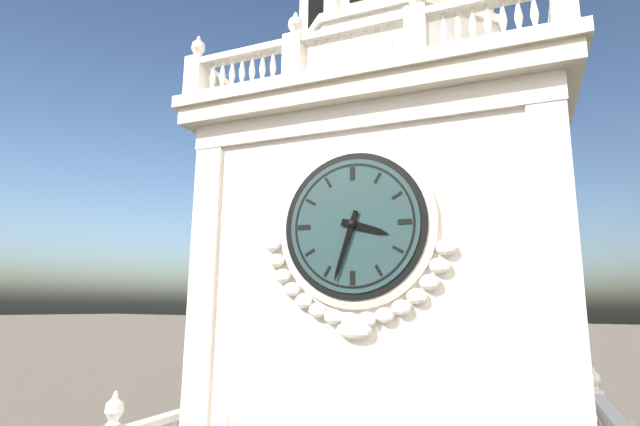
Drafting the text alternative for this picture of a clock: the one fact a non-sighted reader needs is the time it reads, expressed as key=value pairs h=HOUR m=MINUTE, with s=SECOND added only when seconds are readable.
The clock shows h=3 m=33
